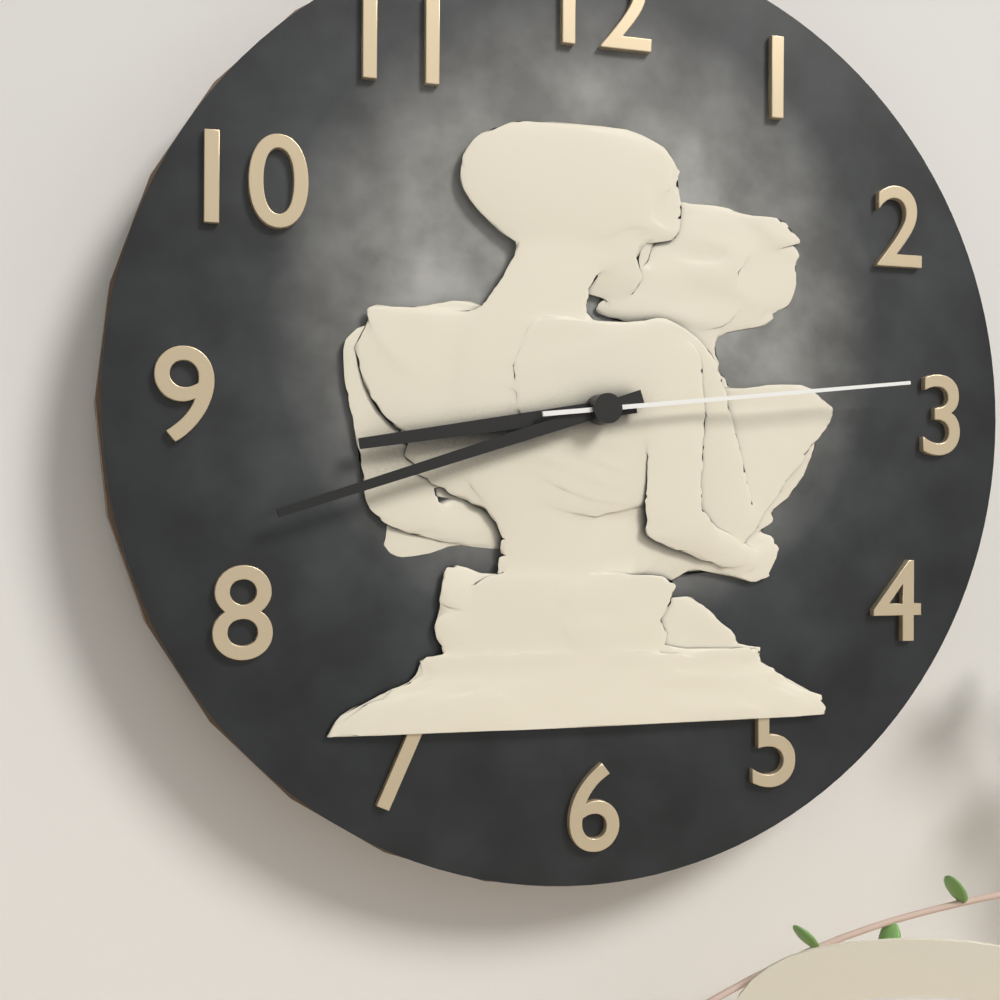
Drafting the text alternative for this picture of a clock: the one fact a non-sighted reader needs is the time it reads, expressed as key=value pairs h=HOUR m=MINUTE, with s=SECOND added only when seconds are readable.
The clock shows h=8 m=42 s=14
